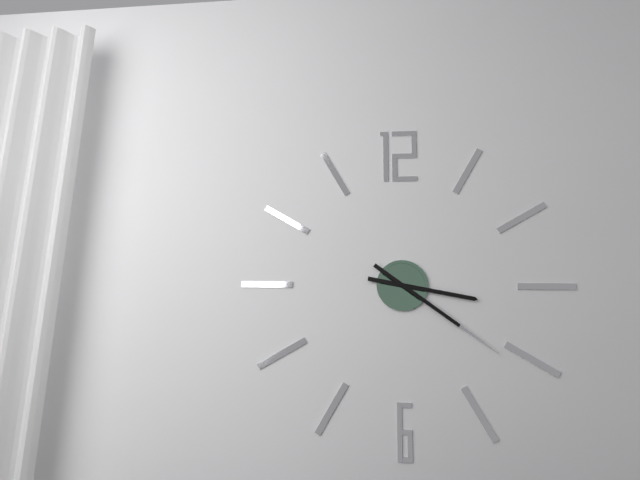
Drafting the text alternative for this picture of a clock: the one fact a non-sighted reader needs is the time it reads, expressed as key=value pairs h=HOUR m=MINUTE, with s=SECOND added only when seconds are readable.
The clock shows h=3 m=21
